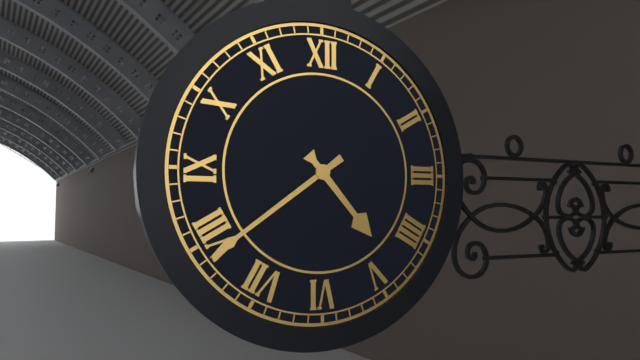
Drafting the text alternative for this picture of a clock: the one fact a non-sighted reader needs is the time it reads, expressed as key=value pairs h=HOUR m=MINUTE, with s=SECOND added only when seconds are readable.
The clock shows h=4 m=39
